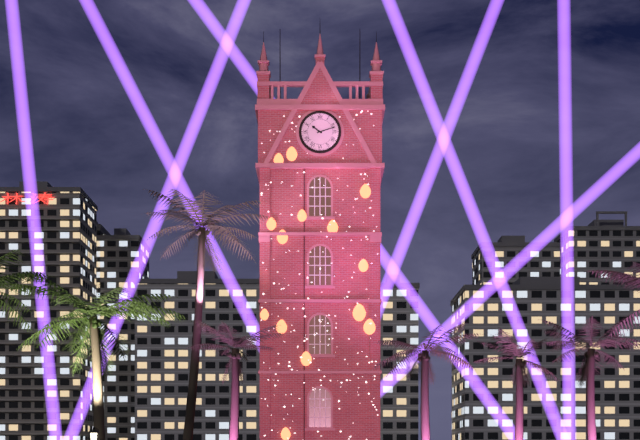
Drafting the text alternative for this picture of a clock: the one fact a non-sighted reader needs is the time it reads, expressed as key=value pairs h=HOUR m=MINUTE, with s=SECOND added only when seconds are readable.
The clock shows h=10 m=12
